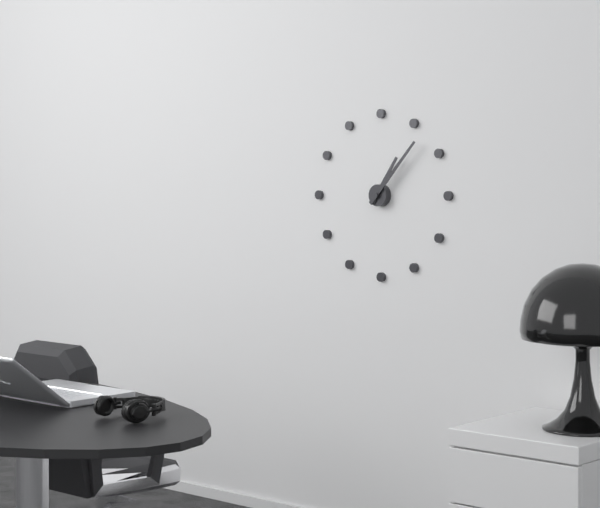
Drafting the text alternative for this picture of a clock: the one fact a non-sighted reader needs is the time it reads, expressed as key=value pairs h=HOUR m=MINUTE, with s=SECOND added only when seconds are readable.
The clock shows h=1 m=7
